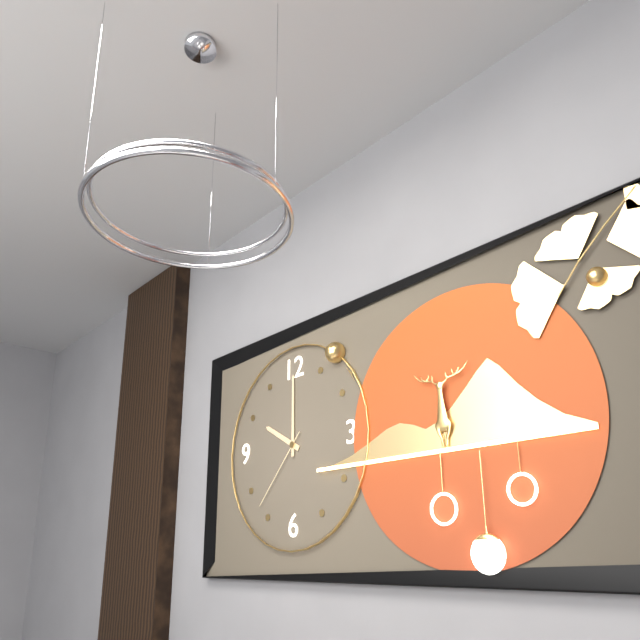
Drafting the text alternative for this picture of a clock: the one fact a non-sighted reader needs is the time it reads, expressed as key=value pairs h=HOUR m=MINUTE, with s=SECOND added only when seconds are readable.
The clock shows h=10 m=0 s=37
